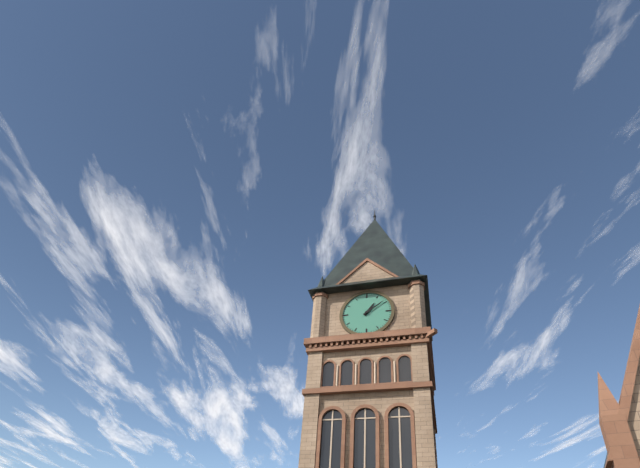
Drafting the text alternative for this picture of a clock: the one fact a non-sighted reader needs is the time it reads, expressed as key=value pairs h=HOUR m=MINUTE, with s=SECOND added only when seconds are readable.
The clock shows h=1 m=9
